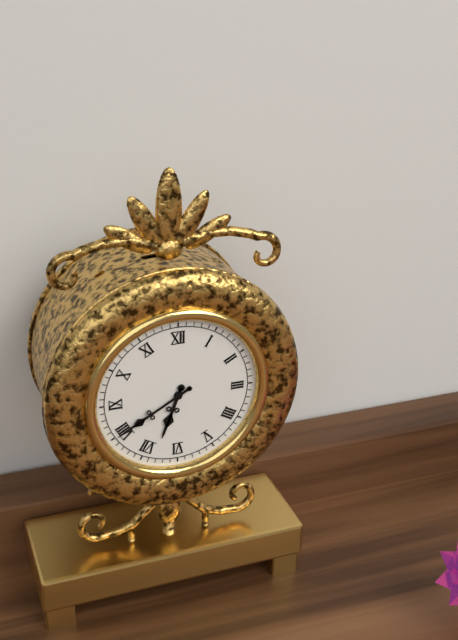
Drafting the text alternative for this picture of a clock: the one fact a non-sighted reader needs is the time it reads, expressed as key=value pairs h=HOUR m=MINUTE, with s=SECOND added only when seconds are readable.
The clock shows h=6 m=40
